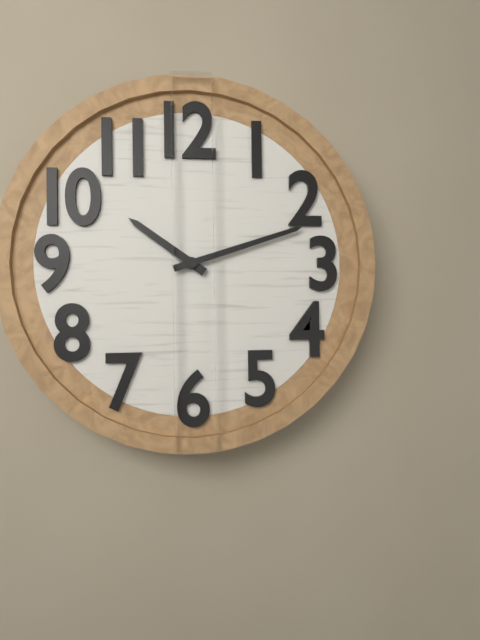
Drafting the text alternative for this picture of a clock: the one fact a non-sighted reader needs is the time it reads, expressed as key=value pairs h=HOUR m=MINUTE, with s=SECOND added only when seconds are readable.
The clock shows h=10 m=12
